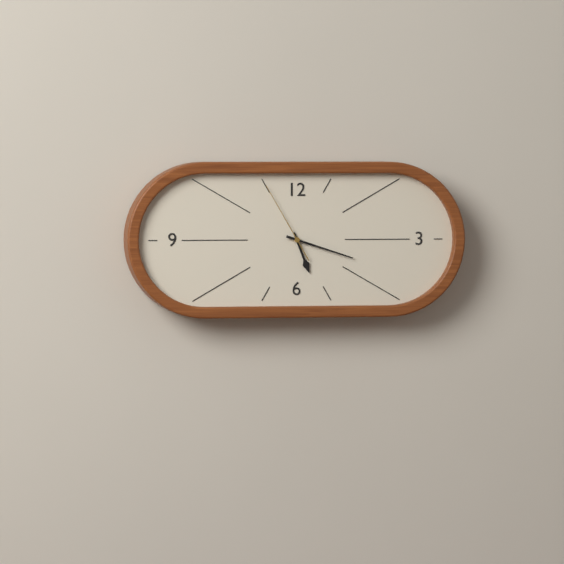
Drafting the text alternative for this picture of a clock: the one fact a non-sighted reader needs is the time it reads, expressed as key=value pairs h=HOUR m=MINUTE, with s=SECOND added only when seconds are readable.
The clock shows h=5 m=18 s=55
